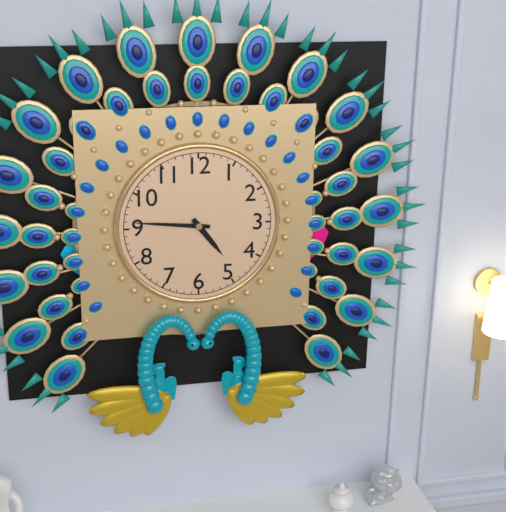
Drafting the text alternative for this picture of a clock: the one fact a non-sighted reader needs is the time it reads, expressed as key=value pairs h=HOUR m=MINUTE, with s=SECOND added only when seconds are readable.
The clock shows h=4 m=46
